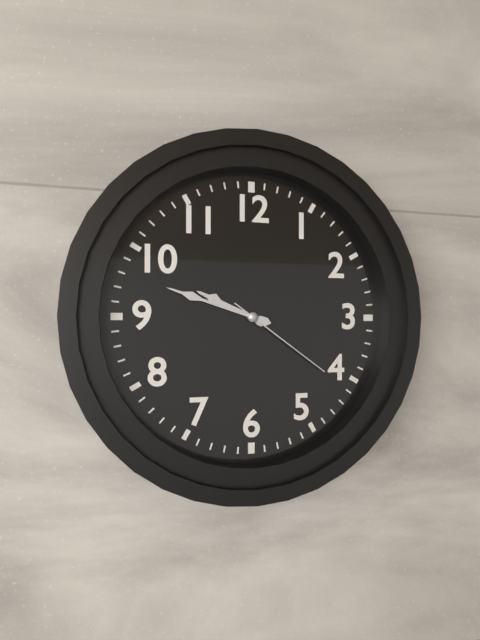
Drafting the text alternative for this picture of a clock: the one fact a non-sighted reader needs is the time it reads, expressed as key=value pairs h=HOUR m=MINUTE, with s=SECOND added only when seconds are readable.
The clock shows h=9 m=48 s=21
